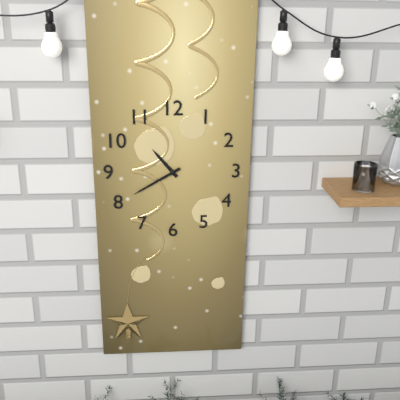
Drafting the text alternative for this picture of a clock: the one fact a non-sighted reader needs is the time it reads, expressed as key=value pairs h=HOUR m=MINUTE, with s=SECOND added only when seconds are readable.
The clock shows h=10 m=40
